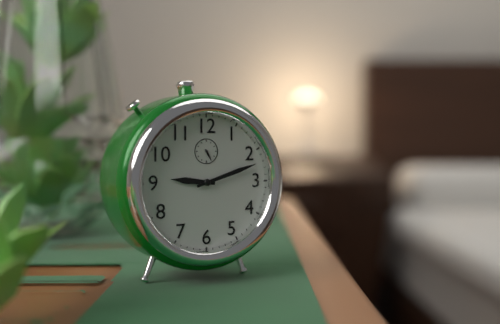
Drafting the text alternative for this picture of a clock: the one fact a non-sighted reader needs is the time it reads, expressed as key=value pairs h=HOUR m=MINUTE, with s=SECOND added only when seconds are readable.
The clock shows h=9 m=12
